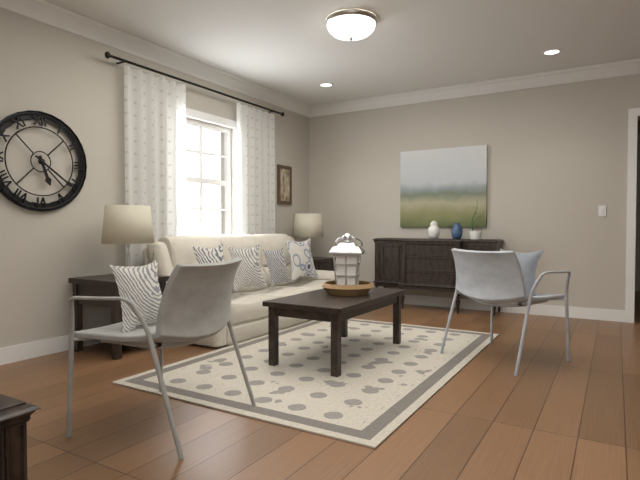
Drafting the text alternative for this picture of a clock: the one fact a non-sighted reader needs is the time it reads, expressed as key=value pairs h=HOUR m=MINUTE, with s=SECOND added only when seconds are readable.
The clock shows h=5 m=21
